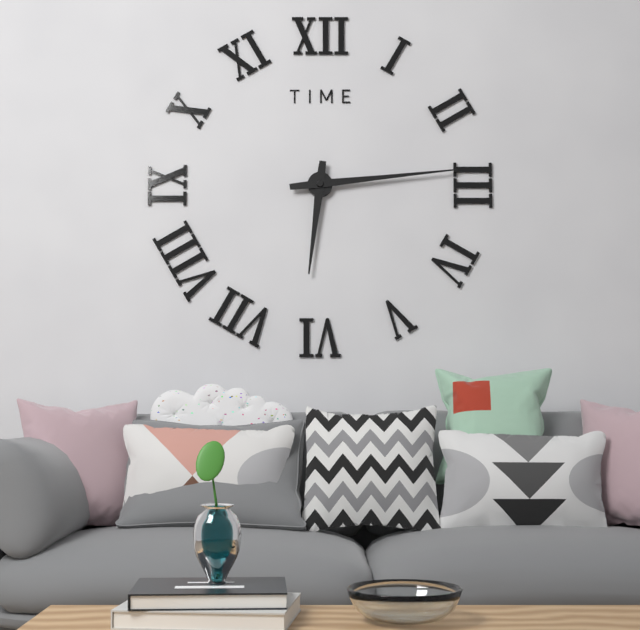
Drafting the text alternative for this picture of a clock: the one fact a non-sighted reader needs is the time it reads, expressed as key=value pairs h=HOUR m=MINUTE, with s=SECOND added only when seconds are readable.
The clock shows h=6 m=14
